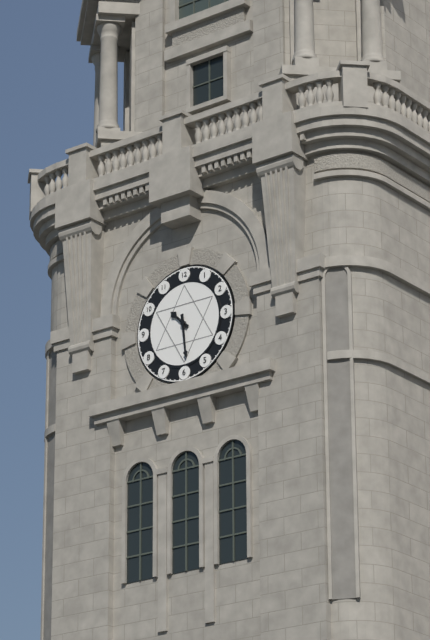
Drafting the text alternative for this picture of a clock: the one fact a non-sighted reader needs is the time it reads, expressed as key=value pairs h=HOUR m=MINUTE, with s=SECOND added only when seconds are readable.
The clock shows h=10 m=29
